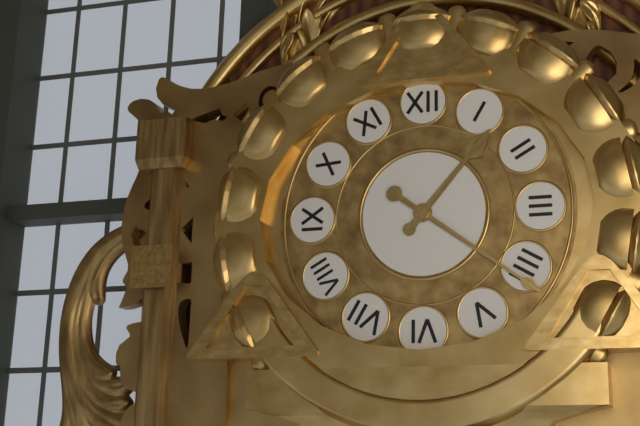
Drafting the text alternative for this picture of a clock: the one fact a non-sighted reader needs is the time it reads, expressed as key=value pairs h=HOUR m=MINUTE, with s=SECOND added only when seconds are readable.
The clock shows h=1 m=21
